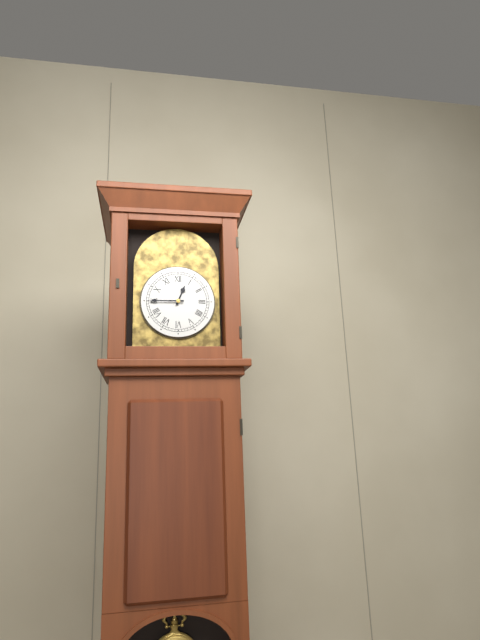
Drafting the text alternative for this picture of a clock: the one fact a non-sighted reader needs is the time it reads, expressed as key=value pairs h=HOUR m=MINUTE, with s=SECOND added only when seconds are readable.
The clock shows h=12 m=45
